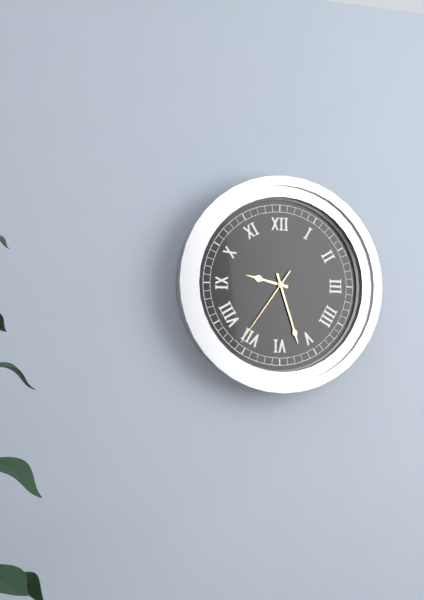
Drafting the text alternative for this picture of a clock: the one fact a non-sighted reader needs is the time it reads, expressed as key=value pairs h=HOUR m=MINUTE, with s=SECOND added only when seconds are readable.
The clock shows h=9 m=27 s=36
